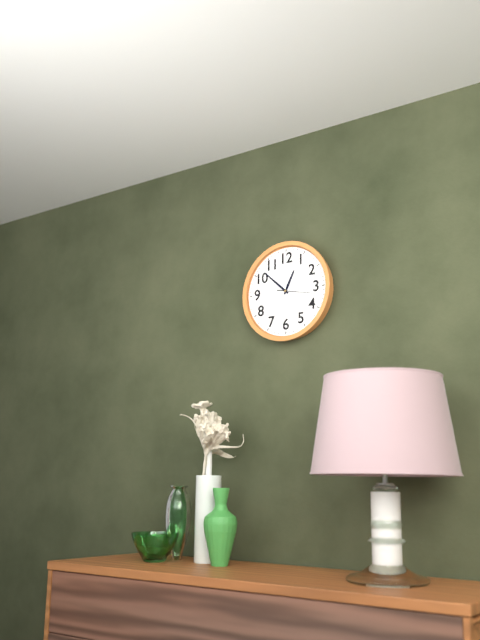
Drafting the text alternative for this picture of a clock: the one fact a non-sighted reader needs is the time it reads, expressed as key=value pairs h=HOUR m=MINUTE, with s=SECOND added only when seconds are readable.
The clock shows h=12 m=52
